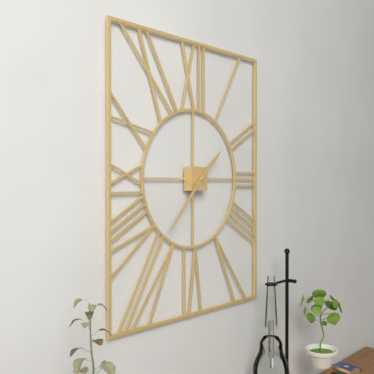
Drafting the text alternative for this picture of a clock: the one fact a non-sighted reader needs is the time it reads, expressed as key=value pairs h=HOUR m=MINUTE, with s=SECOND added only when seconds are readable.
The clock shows h=1 m=37
